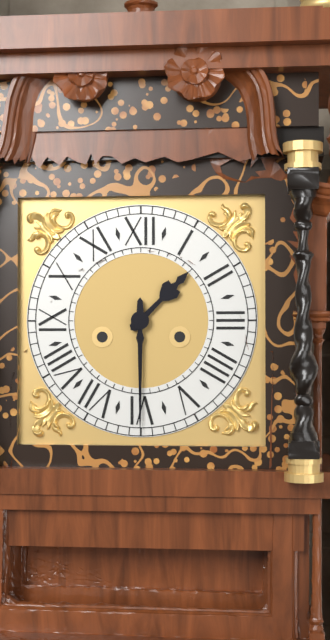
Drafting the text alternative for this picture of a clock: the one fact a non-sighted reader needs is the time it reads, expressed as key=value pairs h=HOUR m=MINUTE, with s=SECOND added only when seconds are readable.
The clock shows h=1 m=30
